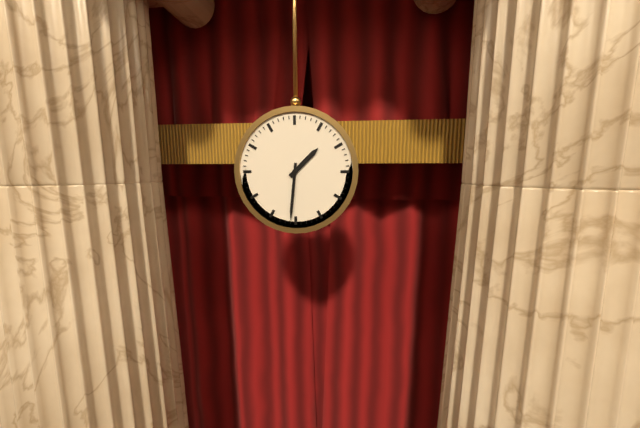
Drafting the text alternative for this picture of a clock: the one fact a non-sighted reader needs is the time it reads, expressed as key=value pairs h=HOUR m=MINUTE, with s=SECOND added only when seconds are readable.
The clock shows h=1 m=31
